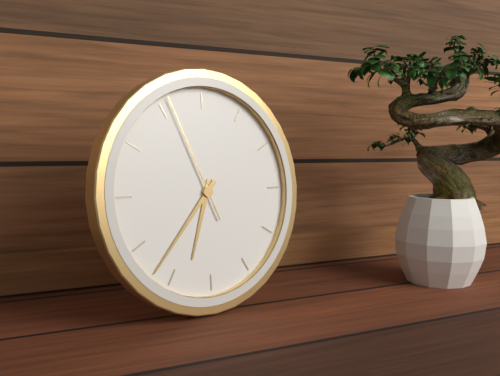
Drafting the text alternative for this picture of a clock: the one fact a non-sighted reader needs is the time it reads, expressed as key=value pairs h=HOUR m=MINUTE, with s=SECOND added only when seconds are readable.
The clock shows h=6 m=37 s=56
